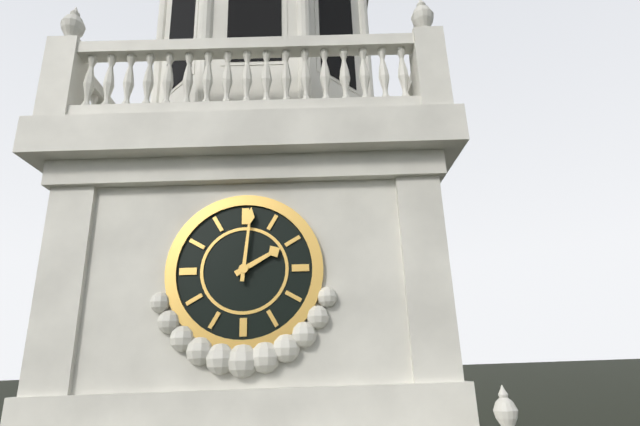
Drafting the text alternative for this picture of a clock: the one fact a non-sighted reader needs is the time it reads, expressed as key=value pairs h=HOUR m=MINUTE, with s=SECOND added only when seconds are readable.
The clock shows h=2 m=1
